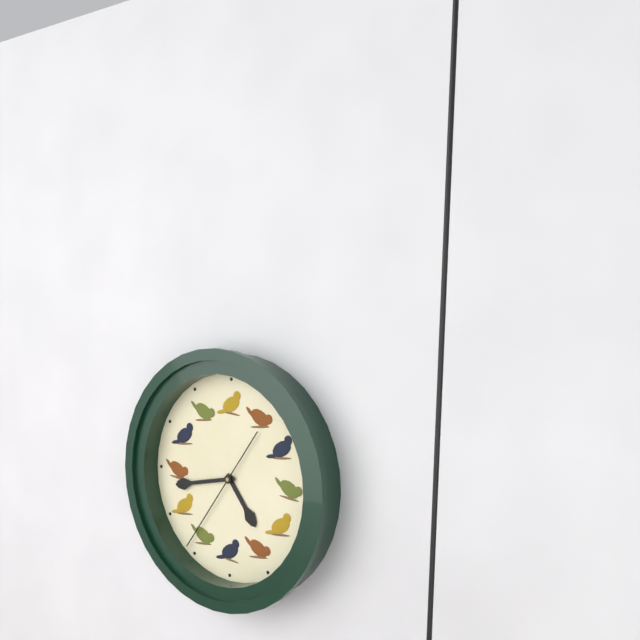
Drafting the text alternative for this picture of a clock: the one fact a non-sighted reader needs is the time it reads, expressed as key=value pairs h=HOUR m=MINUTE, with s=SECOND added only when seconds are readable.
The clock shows h=4 m=43 s=36
